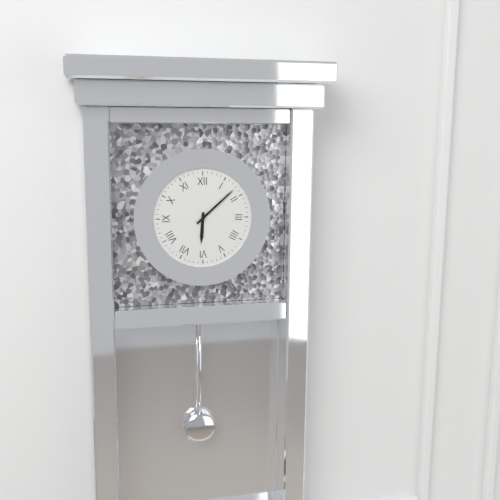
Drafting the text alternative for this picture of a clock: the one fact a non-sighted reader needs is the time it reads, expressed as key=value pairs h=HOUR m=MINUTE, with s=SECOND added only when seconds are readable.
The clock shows h=6 m=8
